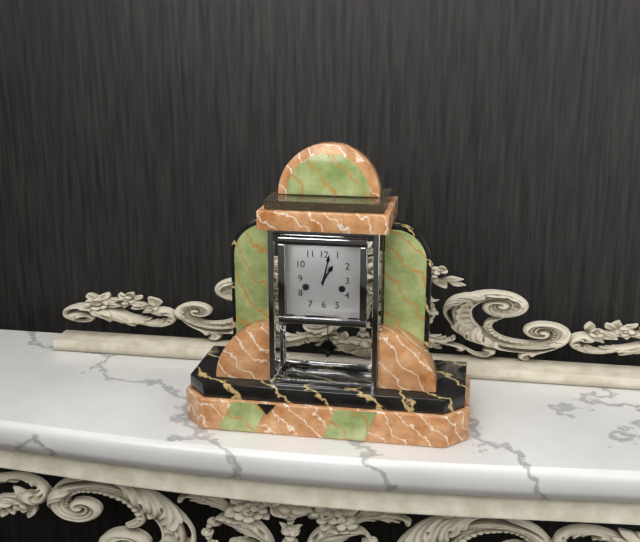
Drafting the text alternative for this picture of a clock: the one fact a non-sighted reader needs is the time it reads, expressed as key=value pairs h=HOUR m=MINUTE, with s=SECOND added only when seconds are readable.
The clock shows h=1 m=2
